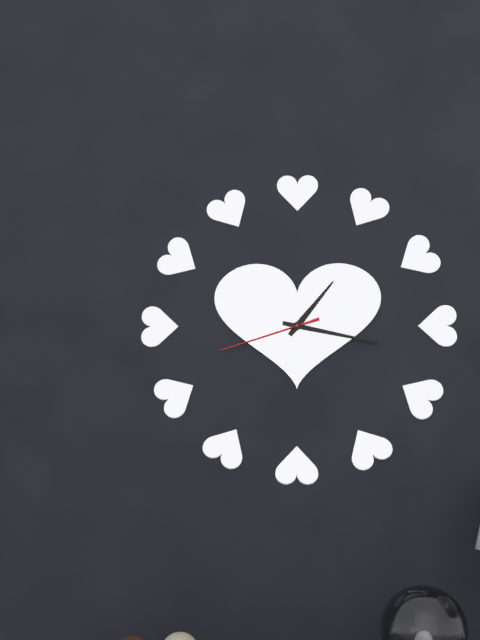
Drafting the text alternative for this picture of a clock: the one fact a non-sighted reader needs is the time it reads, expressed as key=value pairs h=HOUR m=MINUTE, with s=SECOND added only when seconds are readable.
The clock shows h=1 m=17 s=42
